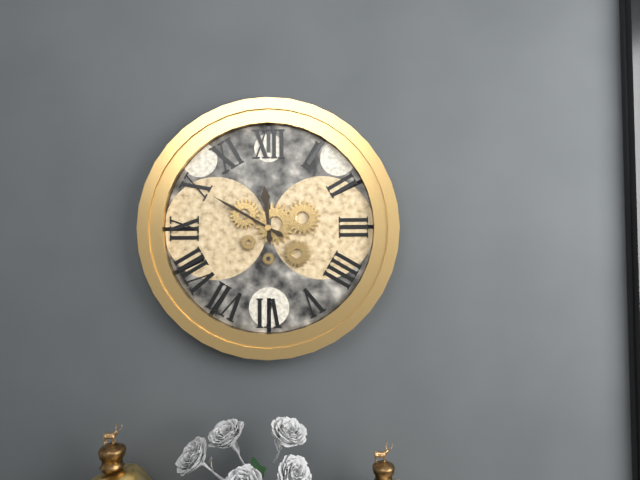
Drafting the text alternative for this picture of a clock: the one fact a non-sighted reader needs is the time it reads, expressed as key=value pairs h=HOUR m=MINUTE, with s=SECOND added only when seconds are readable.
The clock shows h=11 m=50
